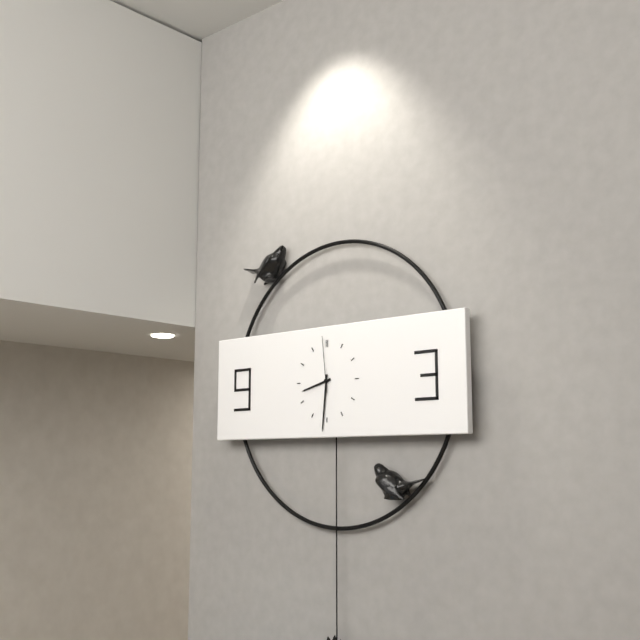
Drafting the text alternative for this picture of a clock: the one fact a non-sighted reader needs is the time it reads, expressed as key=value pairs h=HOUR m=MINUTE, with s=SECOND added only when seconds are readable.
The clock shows h=8 m=31 s=59
